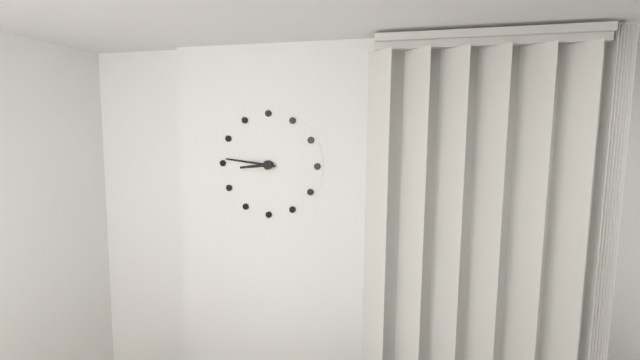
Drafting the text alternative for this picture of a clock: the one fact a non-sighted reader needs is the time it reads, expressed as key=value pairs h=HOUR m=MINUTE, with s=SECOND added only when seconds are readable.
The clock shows h=8 m=46
